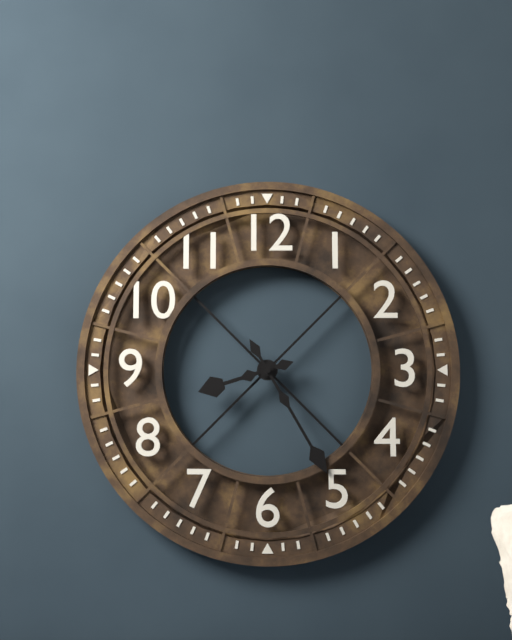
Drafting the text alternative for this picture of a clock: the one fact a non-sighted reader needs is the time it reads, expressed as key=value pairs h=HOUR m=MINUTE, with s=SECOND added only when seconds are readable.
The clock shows h=8 m=25
